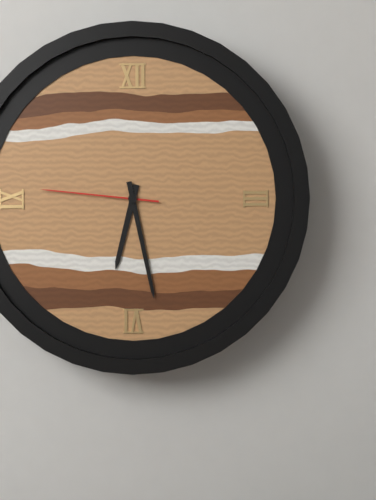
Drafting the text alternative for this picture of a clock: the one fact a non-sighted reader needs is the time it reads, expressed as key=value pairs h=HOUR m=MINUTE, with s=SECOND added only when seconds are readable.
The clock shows h=6 m=28 s=46
